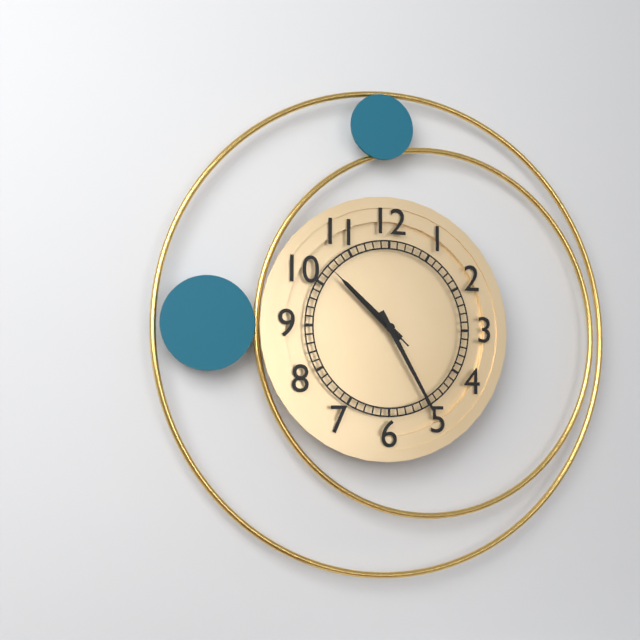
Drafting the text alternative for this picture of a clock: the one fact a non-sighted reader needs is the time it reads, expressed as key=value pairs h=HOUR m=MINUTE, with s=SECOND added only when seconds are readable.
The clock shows h=10 m=25 s=52
